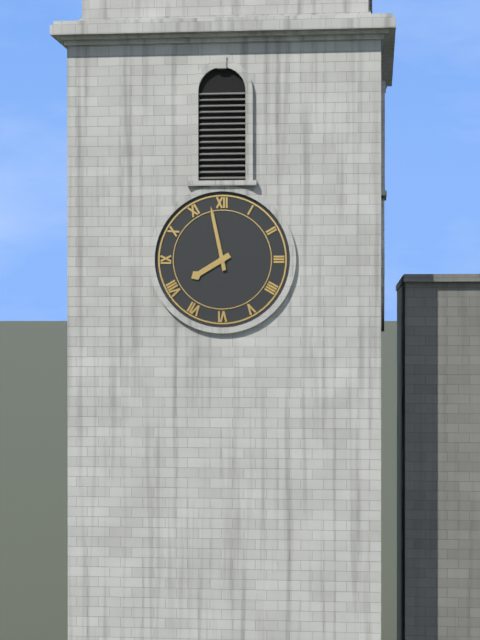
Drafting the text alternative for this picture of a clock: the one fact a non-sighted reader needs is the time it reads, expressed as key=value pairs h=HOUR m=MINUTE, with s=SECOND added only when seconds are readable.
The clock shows h=7 m=58
